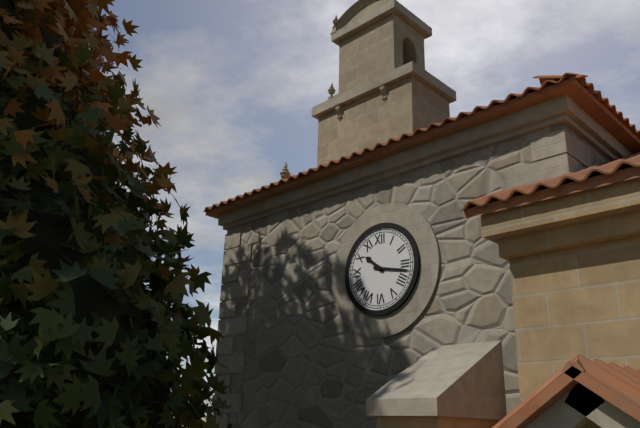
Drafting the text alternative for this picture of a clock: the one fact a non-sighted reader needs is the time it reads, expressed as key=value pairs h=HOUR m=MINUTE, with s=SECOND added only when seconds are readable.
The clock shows h=10 m=17
